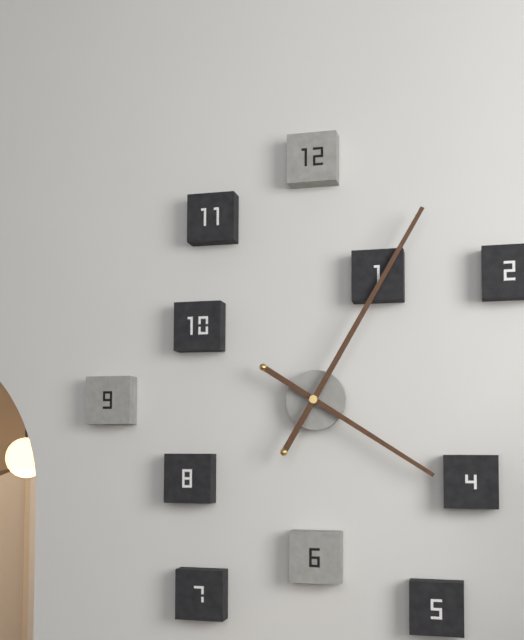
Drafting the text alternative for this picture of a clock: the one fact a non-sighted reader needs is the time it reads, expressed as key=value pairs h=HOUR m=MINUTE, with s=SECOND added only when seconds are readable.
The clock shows h=4 m=5
